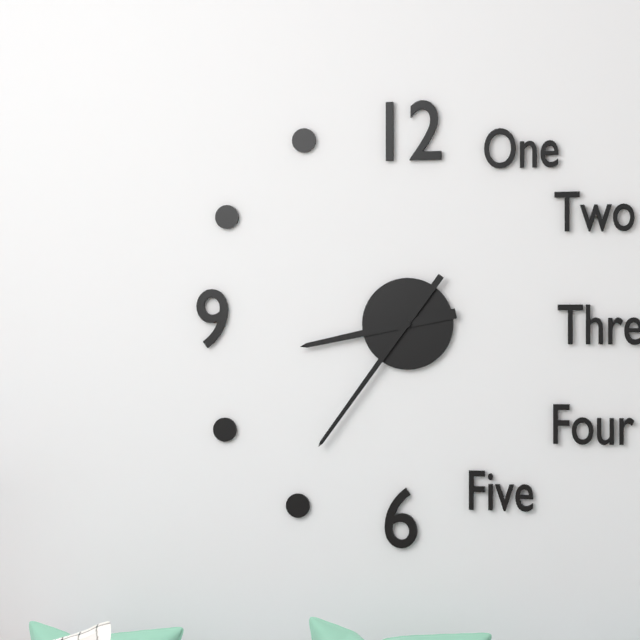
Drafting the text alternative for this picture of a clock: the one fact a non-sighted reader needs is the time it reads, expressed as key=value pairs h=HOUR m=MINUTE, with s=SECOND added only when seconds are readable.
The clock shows h=8 m=36
